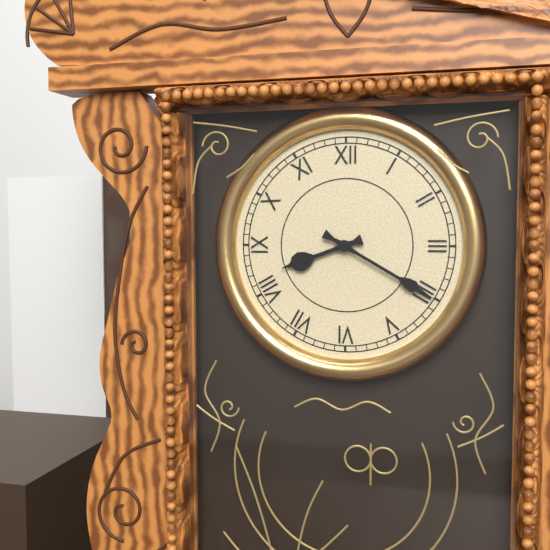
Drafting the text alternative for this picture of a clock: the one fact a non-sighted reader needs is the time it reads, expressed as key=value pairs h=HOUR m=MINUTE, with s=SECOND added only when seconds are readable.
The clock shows h=8 m=20
